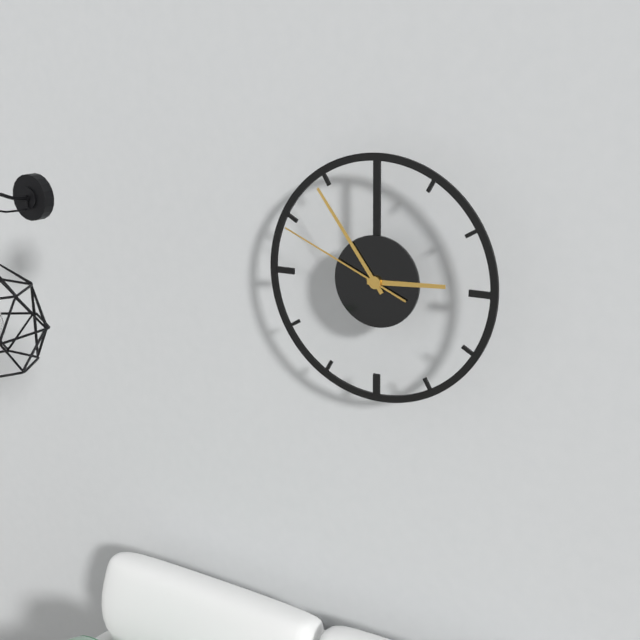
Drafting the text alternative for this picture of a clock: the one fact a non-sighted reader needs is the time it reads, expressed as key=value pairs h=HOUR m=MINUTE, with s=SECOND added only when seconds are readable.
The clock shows h=2 m=54 s=49
